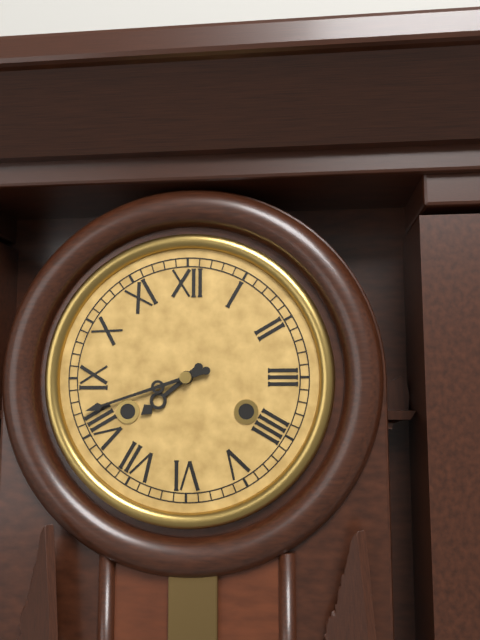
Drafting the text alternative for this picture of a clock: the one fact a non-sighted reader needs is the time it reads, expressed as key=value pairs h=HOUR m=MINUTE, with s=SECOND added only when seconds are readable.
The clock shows h=7 m=42
